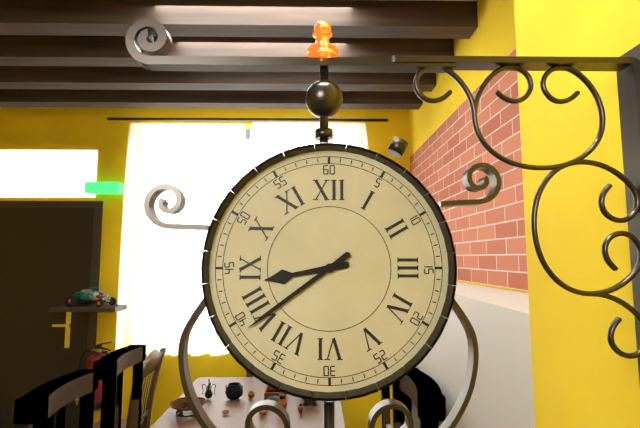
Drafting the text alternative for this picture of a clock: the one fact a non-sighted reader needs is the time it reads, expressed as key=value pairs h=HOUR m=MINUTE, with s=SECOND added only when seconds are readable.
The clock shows h=8 m=39
